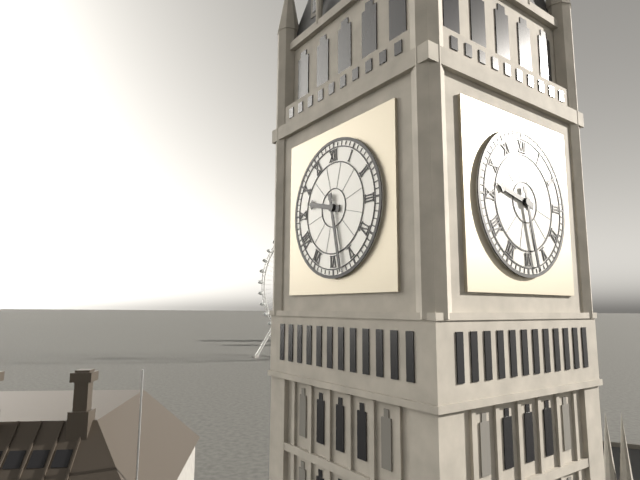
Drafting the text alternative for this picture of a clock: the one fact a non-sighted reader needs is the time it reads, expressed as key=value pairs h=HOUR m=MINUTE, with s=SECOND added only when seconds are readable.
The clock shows h=9 m=28
